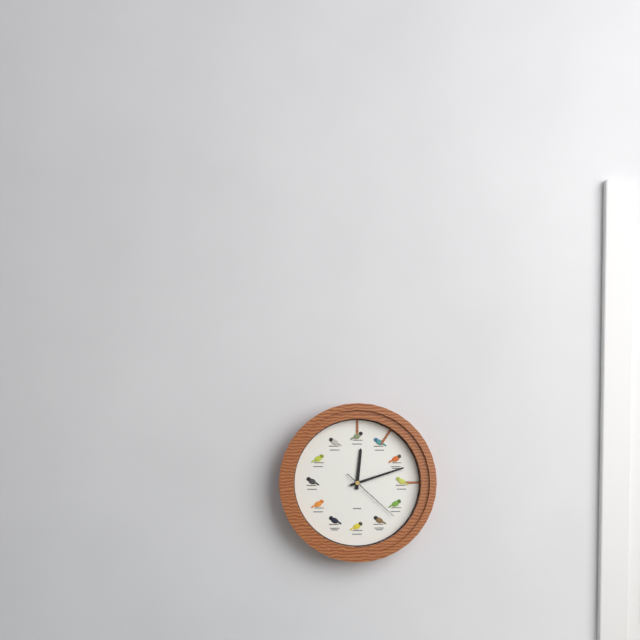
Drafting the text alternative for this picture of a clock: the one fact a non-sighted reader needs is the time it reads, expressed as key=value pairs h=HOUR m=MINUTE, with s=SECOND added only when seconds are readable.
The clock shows h=12 m=12 s=22
